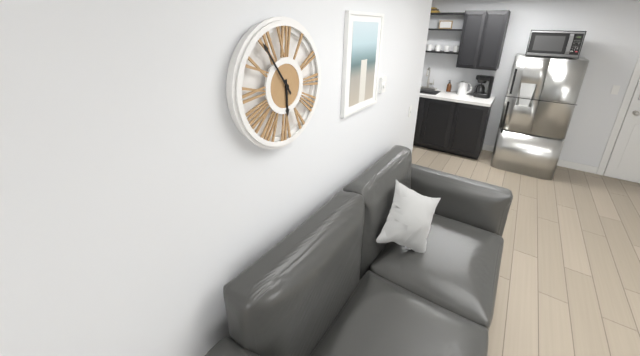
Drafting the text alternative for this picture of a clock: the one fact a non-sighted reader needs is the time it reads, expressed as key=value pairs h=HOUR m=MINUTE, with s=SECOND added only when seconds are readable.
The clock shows h=5 m=54
